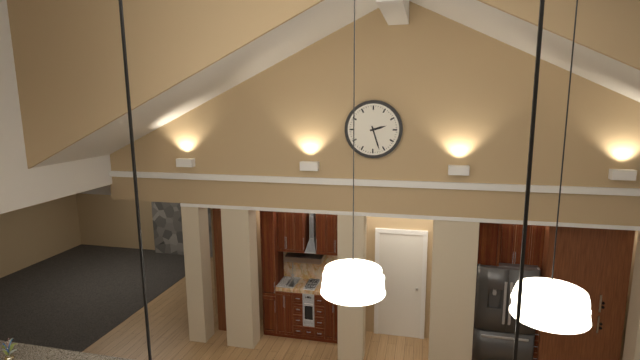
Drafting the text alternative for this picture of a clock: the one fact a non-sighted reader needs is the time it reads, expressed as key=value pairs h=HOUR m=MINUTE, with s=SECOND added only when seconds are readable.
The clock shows h=2 m=27
